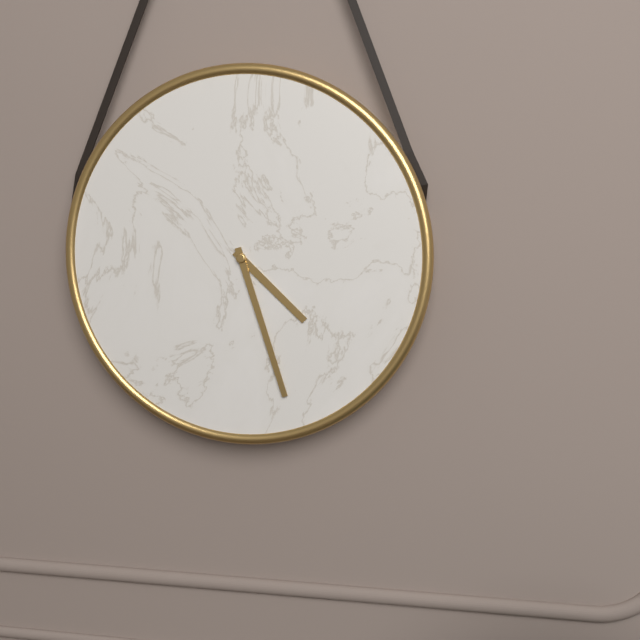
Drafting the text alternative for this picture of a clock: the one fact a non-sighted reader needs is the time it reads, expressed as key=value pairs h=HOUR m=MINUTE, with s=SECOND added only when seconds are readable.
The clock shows h=4 m=27
